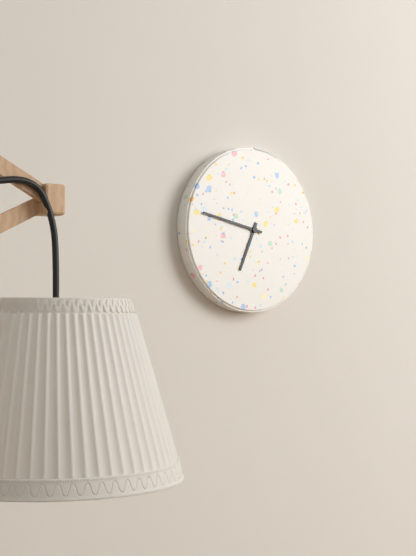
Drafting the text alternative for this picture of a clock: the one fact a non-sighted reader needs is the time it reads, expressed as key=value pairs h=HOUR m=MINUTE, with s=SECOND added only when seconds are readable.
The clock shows h=6 m=47
